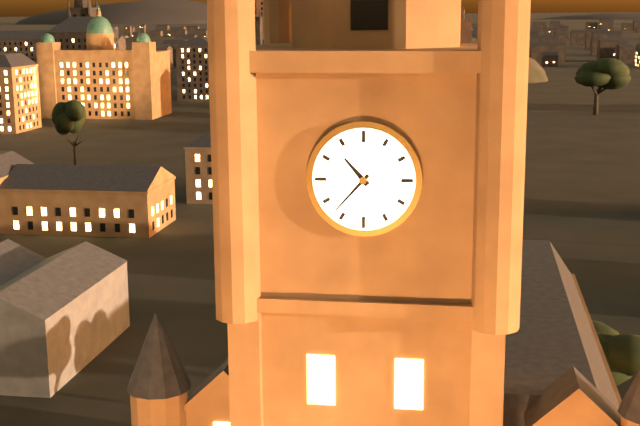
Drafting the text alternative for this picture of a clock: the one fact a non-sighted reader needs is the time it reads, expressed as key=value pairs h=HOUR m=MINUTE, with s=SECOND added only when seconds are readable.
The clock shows h=10 m=37
